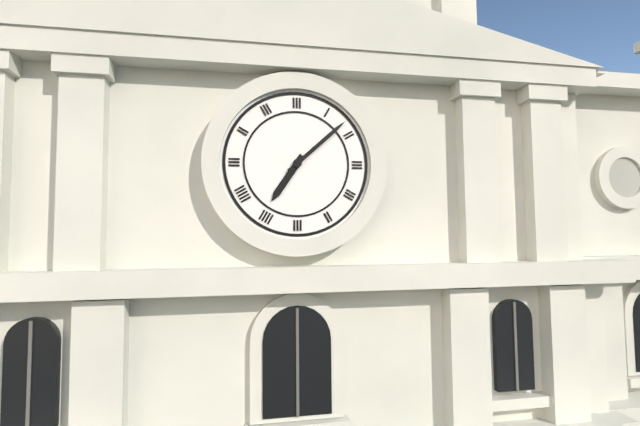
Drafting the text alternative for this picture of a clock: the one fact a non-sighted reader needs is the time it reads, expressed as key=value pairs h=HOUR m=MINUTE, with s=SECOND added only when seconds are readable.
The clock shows h=7 m=8
